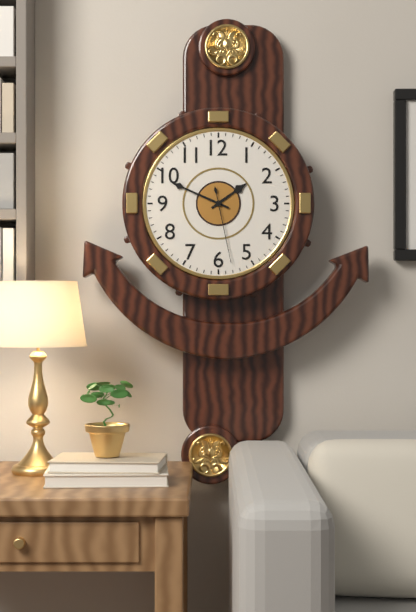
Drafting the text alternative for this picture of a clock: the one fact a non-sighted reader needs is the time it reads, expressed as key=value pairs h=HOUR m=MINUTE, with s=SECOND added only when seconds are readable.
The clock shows h=1 m=49 s=28
